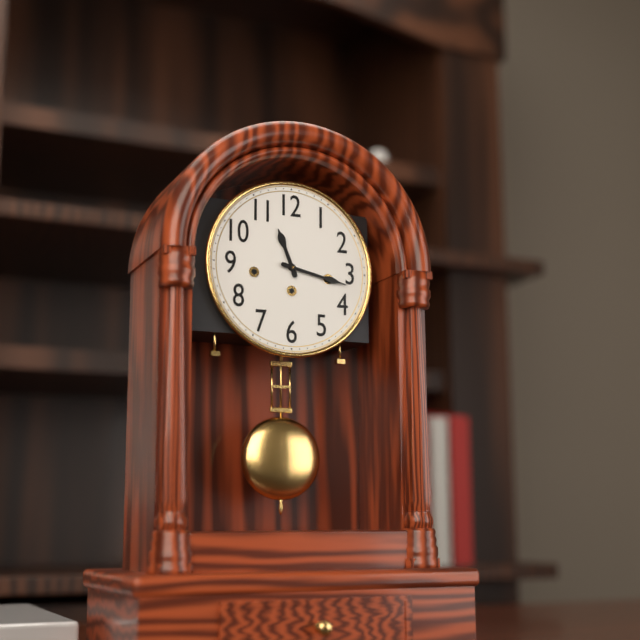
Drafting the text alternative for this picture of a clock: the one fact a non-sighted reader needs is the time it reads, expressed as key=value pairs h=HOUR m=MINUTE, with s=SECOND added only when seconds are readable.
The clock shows h=11 m=17
